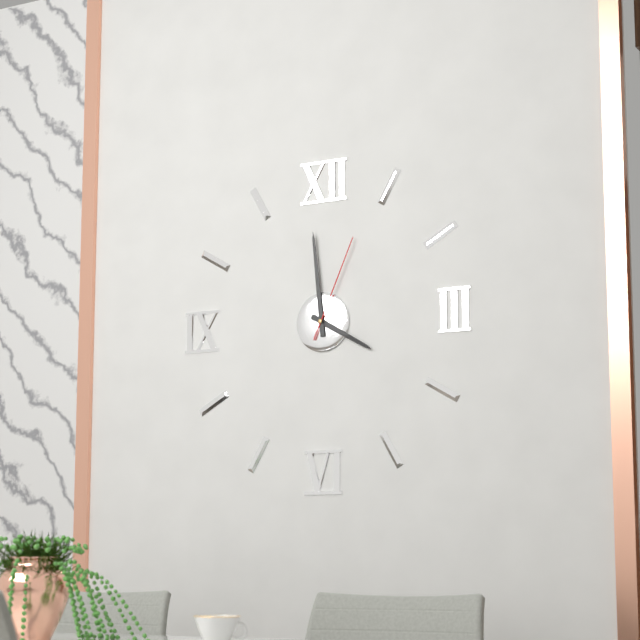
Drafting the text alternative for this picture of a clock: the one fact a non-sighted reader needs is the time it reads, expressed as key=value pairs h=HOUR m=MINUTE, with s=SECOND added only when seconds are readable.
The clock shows h=3 m=59 s=4
